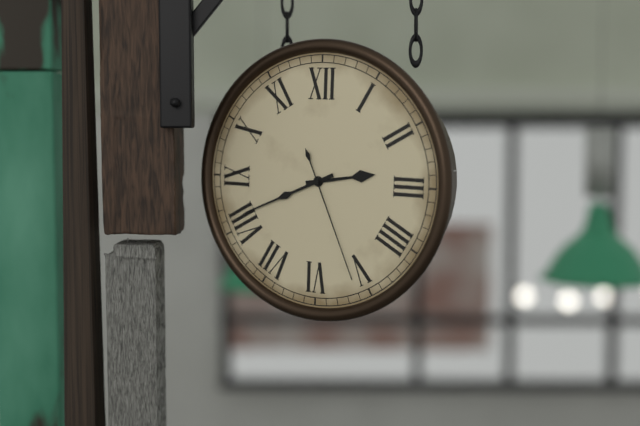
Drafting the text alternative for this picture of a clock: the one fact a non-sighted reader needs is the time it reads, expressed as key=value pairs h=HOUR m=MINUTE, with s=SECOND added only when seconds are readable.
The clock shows h=2 m=41 s=26
